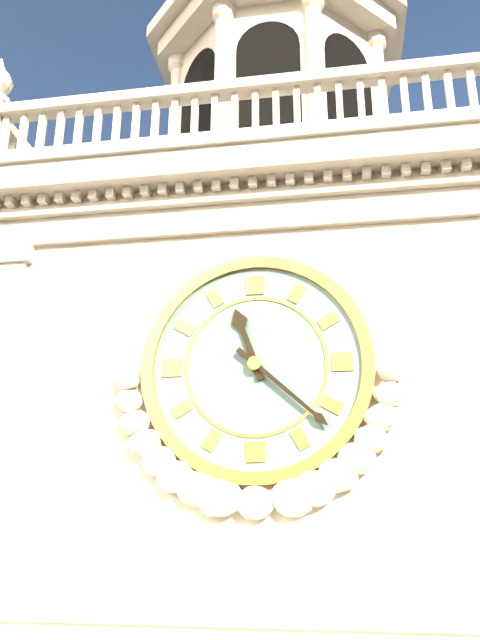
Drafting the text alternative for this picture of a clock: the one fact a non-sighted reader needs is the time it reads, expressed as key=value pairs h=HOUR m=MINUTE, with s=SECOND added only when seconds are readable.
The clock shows h=11 m=22
